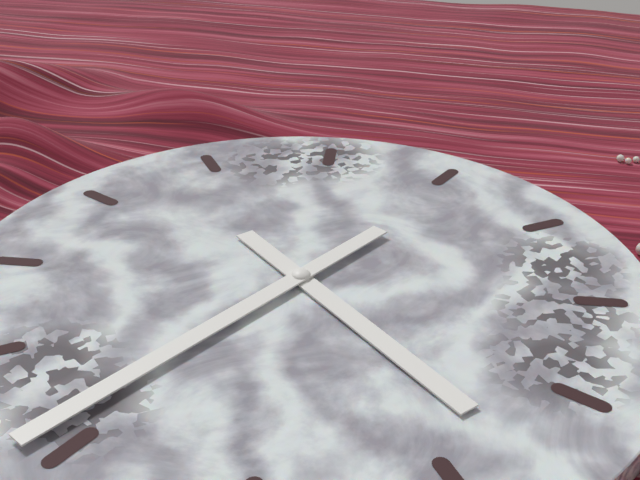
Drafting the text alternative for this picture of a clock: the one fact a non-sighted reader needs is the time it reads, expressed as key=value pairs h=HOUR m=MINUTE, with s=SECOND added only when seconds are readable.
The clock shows h=4 m=36
